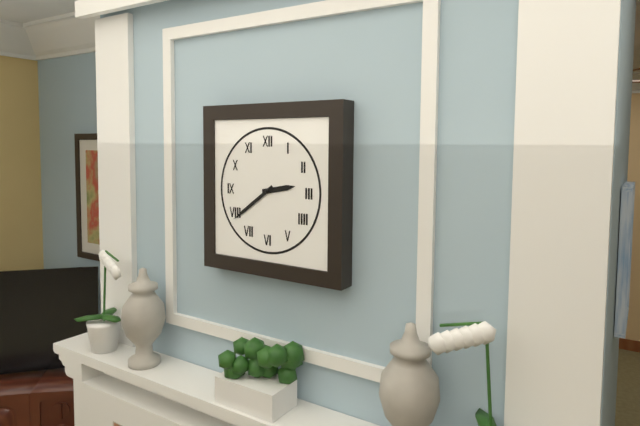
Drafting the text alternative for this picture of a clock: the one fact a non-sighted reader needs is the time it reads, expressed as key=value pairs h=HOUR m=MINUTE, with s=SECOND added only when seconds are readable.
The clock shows h=2 m=39
